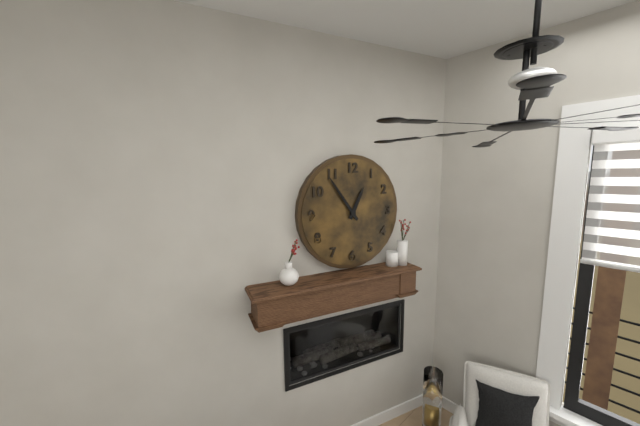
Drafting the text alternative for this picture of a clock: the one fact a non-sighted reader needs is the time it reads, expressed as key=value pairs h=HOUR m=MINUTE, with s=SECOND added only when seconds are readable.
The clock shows h=12 m=54
